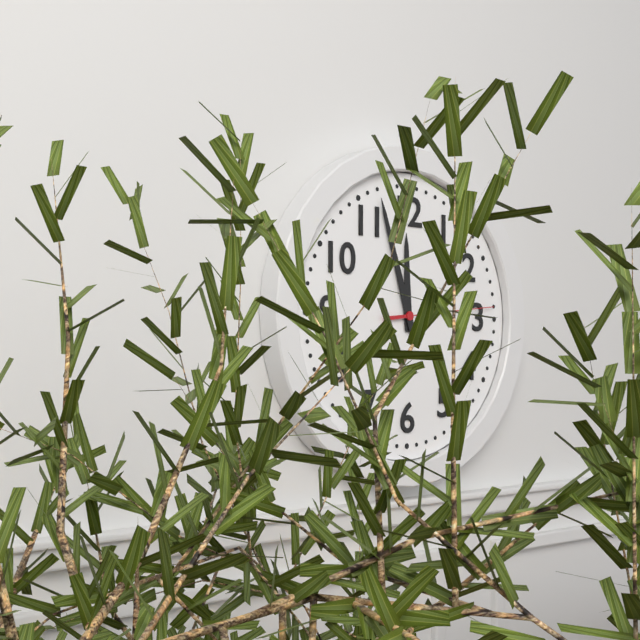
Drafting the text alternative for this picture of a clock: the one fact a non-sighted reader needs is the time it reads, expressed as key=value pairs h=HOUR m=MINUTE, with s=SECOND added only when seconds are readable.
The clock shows h=11 m=57 s=14
